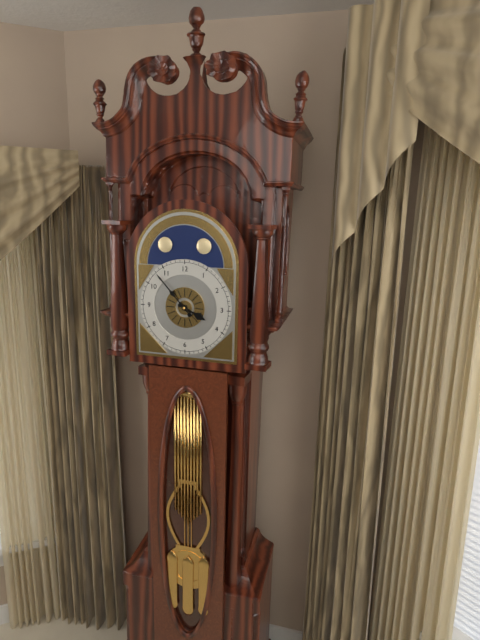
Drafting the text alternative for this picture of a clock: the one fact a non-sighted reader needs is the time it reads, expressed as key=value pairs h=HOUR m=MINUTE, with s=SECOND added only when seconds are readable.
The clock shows h=3 m=53
